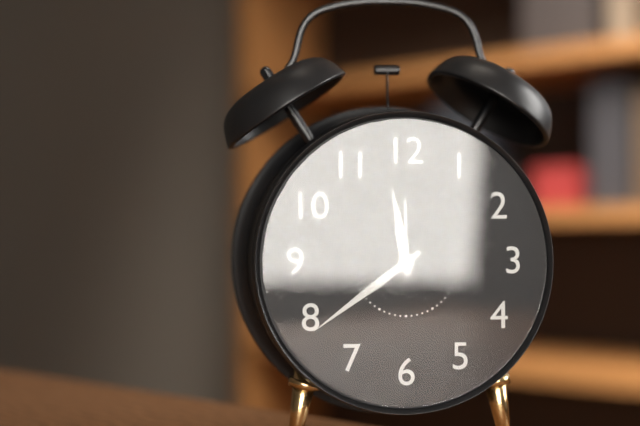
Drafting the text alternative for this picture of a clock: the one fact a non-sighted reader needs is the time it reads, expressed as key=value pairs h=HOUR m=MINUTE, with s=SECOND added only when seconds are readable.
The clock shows h=11 m=39
